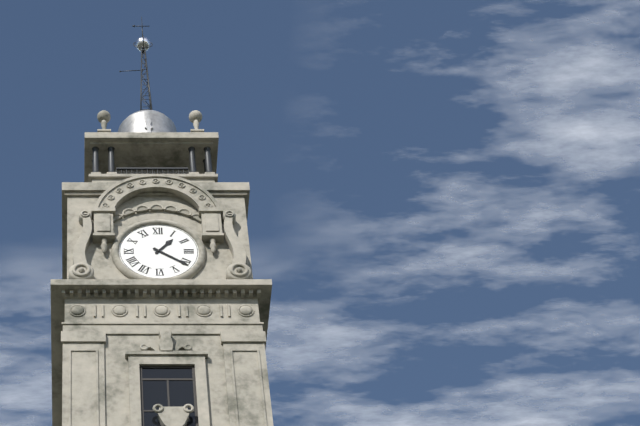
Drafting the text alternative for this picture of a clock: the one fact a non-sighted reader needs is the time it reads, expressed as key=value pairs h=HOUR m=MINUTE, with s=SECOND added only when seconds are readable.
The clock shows h=1 m=21
